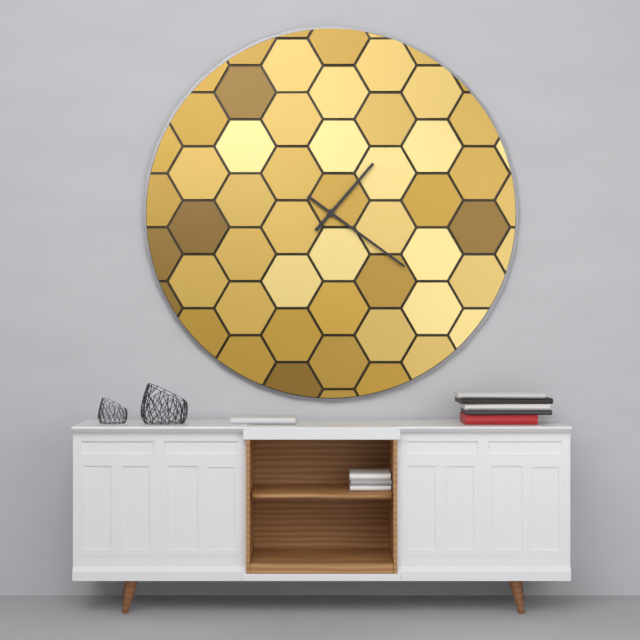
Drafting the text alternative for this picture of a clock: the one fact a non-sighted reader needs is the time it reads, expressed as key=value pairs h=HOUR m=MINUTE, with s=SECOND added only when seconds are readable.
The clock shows h=1 m=21
